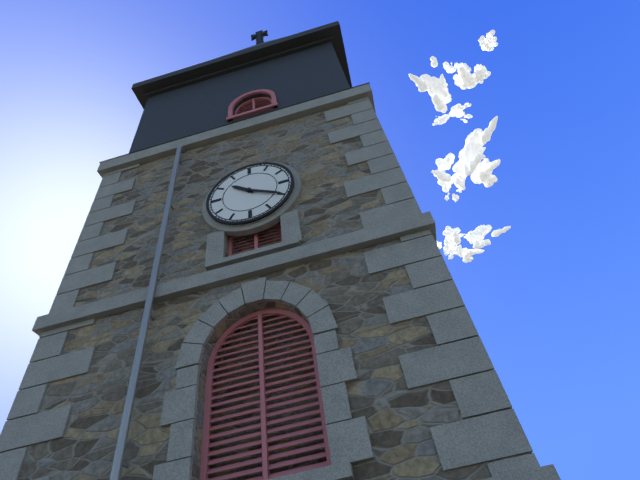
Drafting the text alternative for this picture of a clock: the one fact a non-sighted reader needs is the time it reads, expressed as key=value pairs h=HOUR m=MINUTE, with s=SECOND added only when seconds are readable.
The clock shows h=10 m=20
